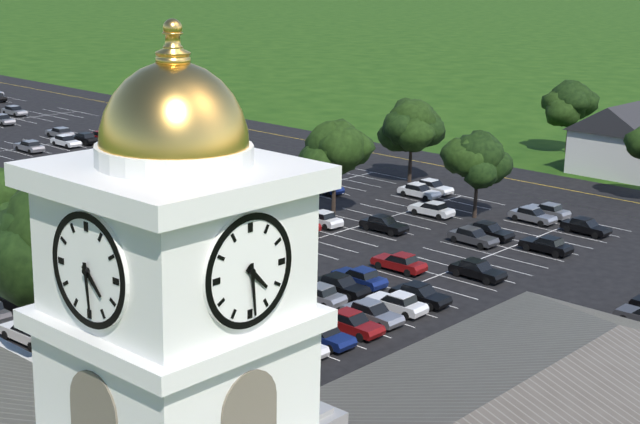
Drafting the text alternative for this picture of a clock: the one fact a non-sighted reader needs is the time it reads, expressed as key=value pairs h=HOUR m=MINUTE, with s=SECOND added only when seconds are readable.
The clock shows h=4 m=29
